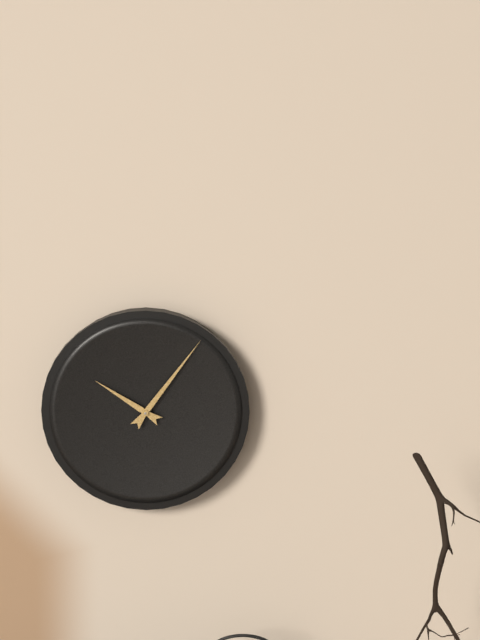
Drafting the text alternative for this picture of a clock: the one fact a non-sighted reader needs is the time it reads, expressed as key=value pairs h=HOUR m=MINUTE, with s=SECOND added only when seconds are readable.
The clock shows h=10 m=6
